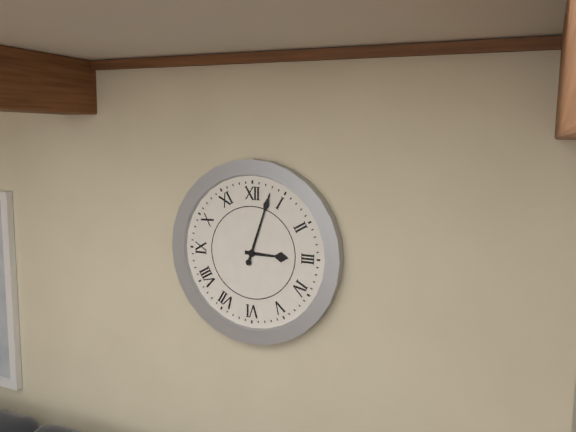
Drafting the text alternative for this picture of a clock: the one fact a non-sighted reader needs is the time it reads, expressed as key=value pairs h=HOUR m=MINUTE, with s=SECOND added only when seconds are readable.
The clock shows h=3 m=3
